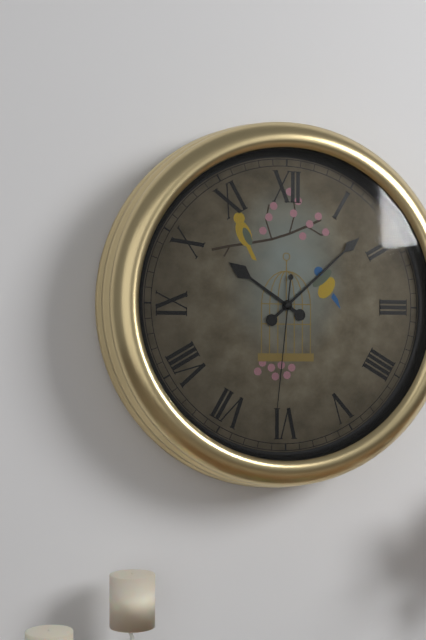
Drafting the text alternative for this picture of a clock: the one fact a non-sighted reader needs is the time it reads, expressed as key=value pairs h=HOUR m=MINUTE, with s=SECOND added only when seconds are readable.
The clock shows h=10 m=8 s=31
